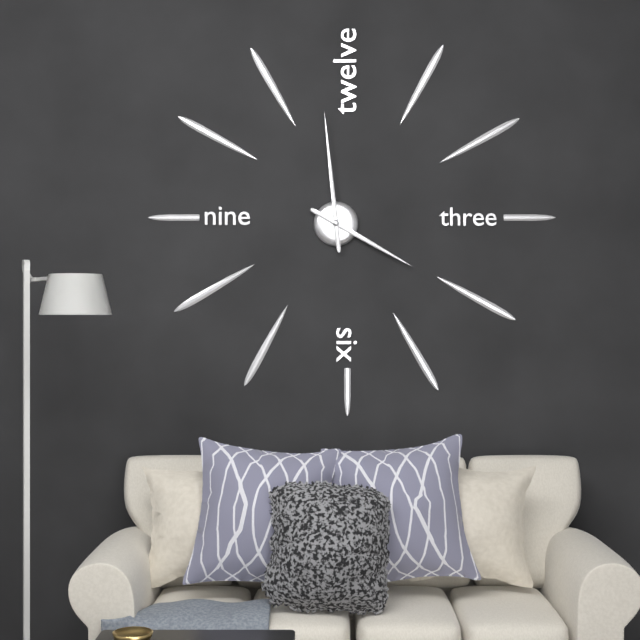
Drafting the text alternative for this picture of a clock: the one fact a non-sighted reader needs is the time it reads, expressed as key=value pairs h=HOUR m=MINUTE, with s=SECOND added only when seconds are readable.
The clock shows h=3 m=59
